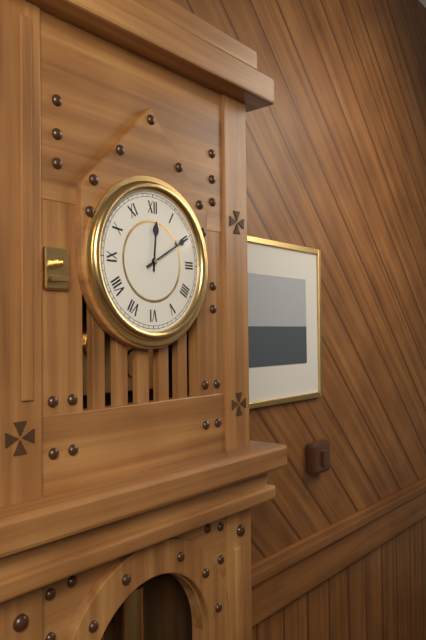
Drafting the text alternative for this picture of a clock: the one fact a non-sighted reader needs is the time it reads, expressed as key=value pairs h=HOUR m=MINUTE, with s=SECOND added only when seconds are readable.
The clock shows h=12 m=10
